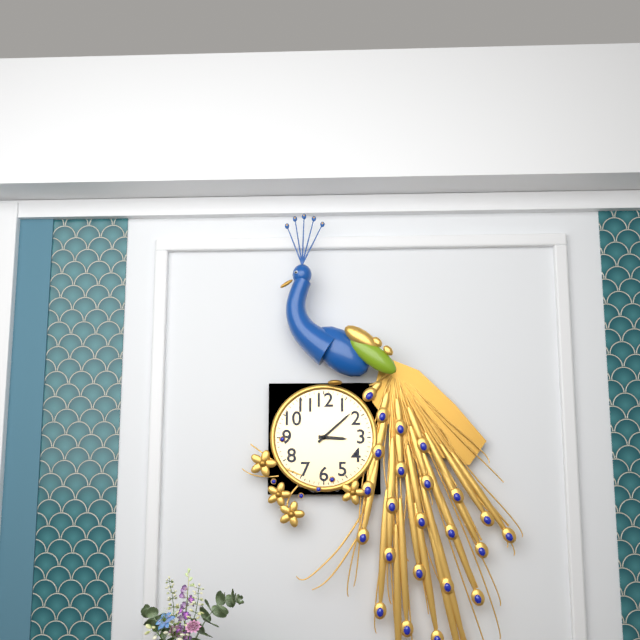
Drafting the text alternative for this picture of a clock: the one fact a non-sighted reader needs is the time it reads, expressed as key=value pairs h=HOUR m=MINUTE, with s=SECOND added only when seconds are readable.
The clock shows h=3 m=8
